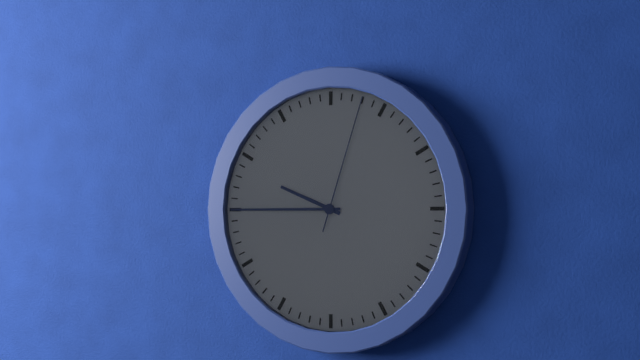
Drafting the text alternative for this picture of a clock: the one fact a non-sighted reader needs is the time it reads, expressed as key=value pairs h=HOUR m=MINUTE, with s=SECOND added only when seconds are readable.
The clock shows h=9 m=45 s=3
